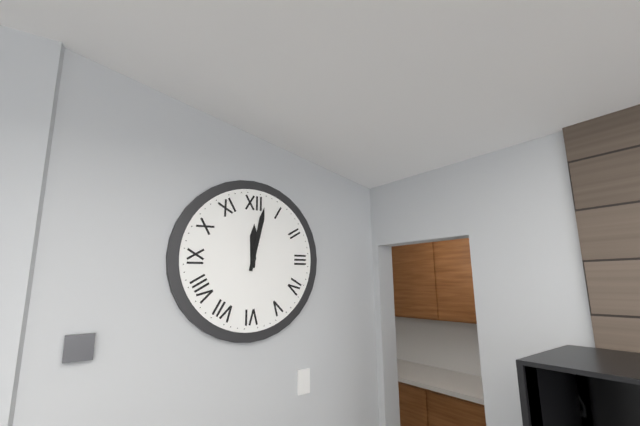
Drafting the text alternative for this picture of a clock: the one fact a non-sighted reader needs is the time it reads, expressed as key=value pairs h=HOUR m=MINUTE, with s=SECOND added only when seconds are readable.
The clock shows h=12 m=2
